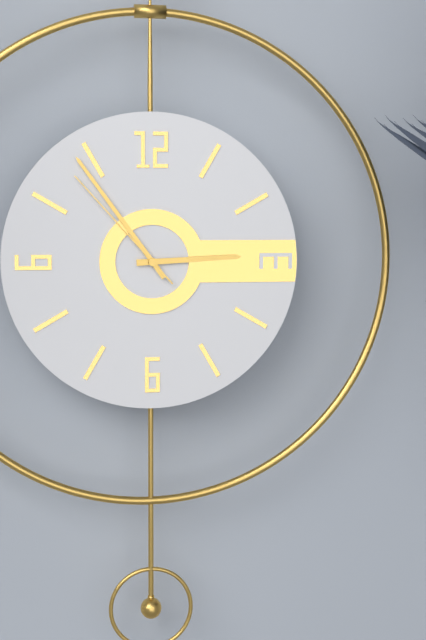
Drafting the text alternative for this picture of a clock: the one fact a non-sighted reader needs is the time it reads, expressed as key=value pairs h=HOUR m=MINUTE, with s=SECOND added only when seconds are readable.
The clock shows h=2 m=54 s=53
